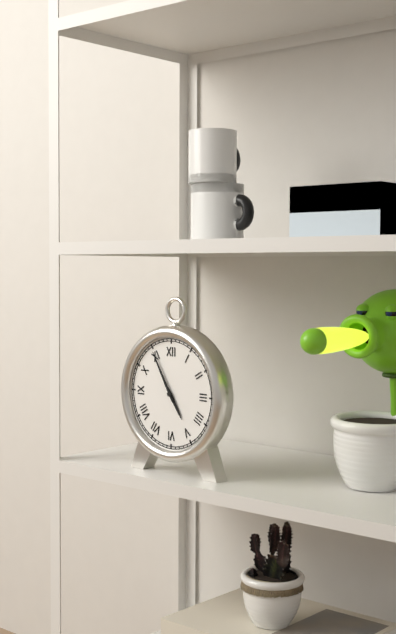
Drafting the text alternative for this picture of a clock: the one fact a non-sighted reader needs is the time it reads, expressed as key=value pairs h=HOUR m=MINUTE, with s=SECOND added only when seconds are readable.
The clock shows h=4 m=55
